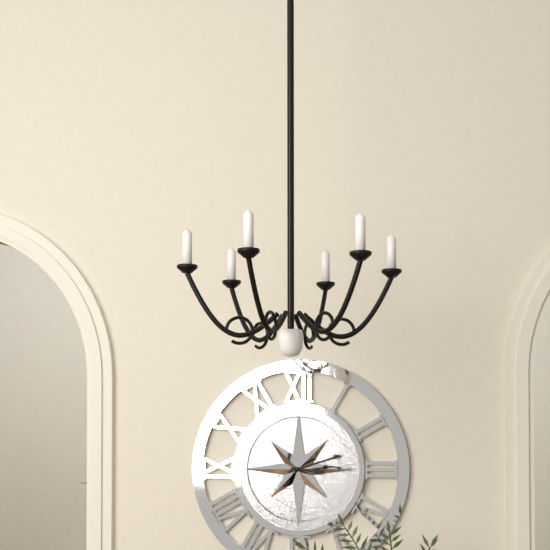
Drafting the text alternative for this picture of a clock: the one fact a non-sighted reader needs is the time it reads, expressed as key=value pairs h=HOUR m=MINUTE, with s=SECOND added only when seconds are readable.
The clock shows h=3 m=12
